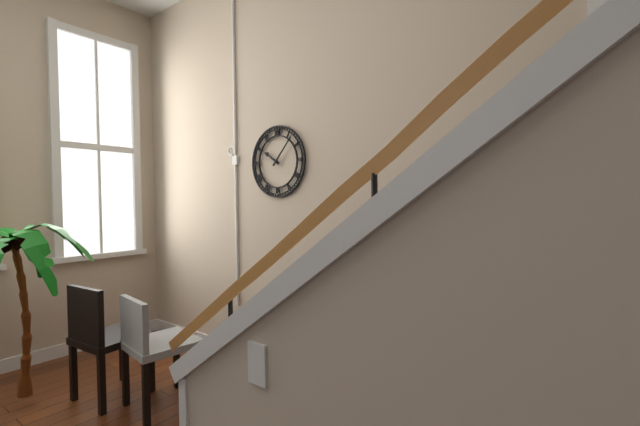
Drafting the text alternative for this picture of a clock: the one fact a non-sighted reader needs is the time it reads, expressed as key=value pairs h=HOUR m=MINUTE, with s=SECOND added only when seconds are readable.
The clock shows h=10 m=7
